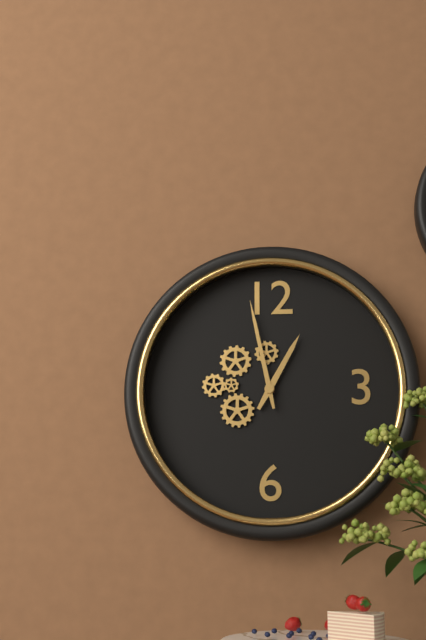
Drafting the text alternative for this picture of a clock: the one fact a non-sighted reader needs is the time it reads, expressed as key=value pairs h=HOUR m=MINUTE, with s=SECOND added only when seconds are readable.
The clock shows h=12 m=58
